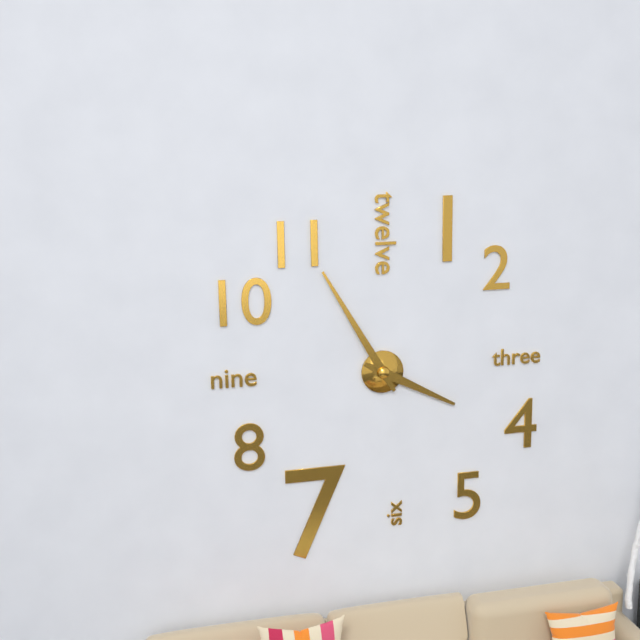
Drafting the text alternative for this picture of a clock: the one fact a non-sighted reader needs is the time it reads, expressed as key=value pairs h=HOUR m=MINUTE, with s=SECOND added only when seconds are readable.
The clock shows h=3 m=55
